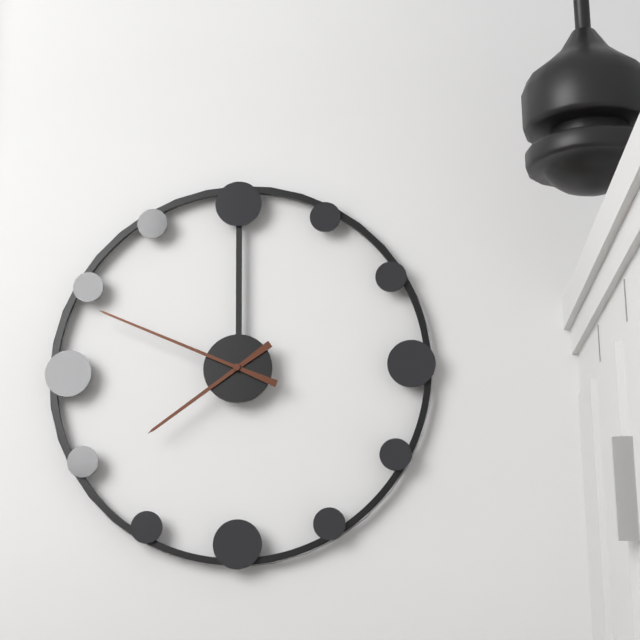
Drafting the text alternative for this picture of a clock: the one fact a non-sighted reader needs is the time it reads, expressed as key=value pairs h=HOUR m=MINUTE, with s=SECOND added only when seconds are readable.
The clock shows h=7 m=49
